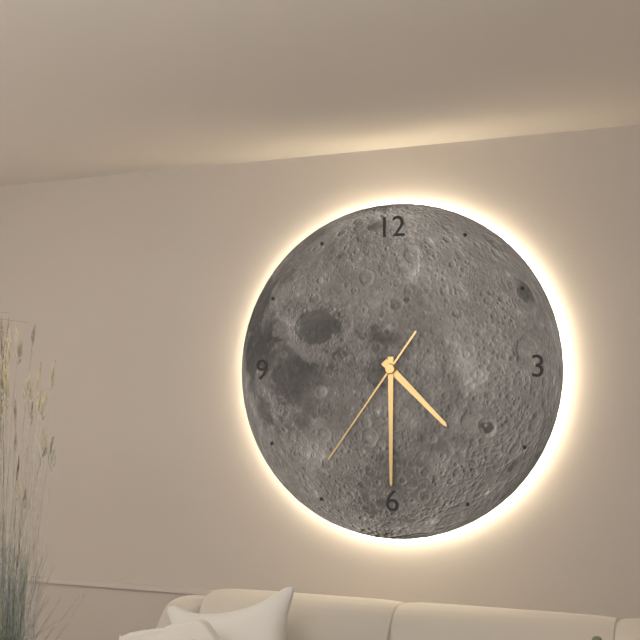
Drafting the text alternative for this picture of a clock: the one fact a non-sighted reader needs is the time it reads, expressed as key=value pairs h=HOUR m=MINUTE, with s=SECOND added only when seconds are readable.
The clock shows h=4 m=30 s=36
